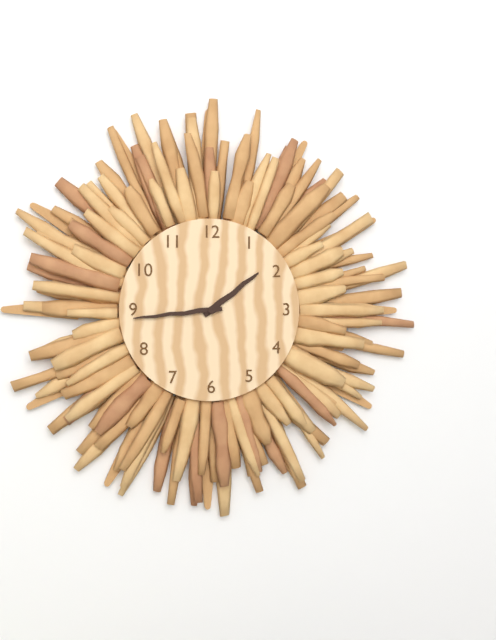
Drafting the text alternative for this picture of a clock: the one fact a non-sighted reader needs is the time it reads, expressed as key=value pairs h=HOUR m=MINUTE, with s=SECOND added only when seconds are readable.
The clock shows h=1 m=44
